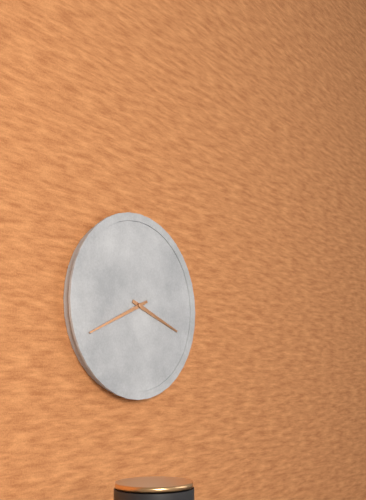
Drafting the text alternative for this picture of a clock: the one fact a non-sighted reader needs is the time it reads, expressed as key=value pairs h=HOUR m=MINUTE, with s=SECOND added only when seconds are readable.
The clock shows h=3 m=41
